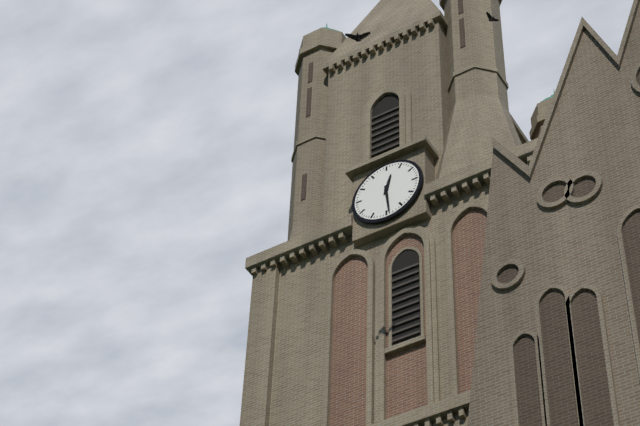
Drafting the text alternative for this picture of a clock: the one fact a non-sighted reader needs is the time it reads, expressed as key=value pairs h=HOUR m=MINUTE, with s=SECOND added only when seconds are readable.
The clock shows h=12 m=29
